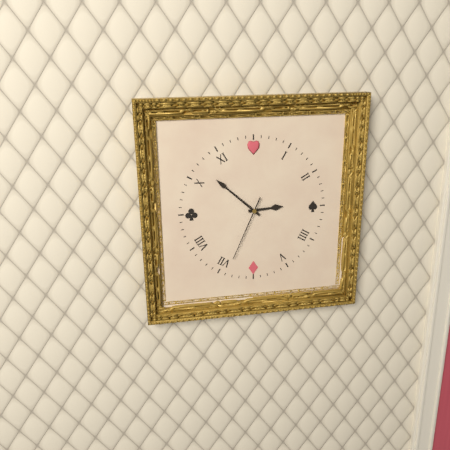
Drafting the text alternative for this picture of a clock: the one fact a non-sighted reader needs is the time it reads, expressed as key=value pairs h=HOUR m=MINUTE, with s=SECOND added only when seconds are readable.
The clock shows h=2 m=52 s=34
